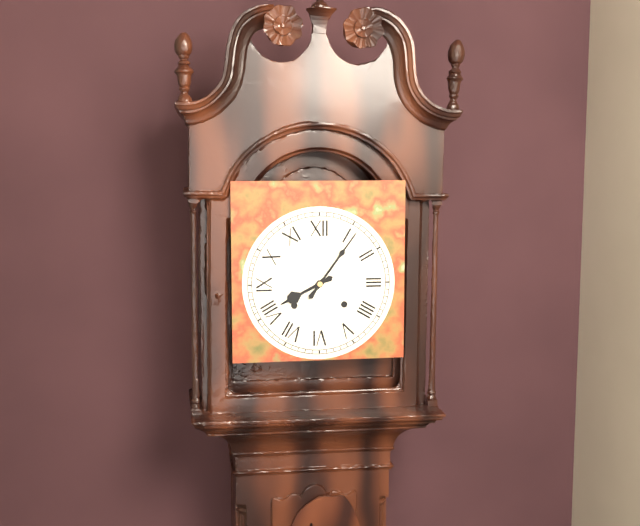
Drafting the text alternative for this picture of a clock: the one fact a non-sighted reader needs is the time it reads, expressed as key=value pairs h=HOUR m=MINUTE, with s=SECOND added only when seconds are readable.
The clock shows h=8 m=6
